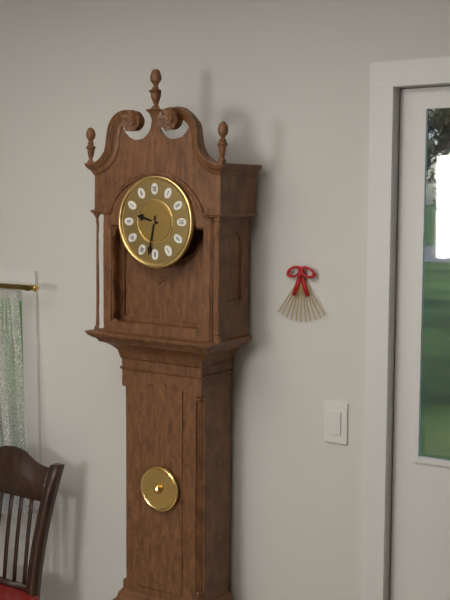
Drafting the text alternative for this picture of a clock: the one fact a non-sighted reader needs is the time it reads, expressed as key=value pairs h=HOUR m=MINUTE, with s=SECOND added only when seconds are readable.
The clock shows h=9 m=32
